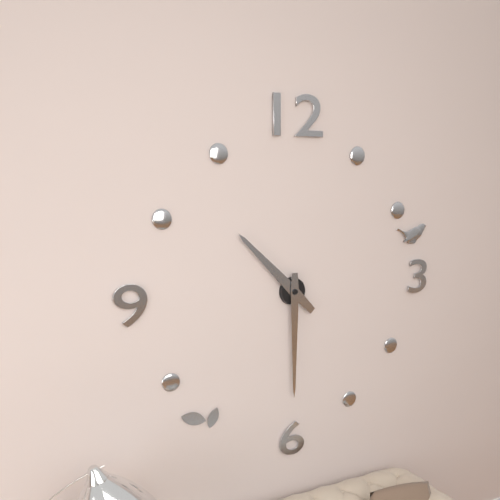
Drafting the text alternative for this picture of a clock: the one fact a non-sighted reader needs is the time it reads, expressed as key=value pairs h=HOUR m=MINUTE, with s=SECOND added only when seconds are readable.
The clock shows h=10 m=30
